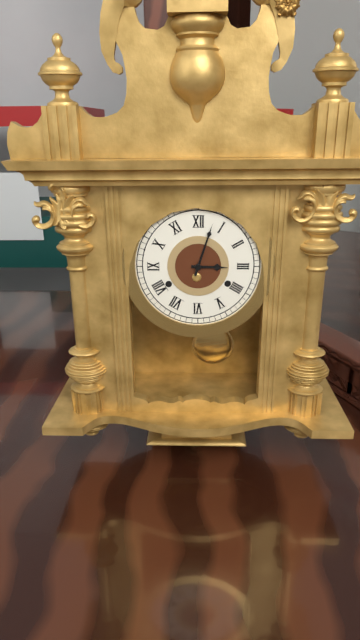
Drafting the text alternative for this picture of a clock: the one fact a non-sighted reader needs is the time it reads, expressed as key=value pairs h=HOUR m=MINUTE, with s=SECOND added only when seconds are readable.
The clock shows h=3 m=3
